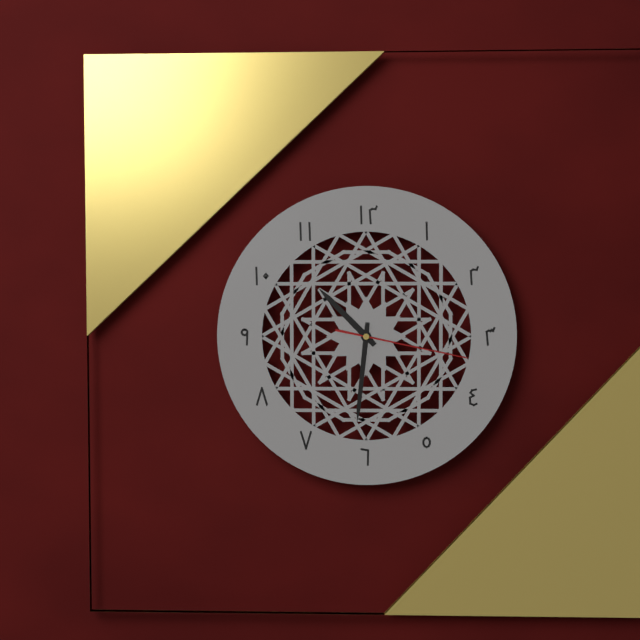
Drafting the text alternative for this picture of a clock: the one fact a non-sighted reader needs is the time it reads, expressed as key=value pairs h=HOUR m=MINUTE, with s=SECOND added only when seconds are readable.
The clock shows h=10 m=31 s=17
